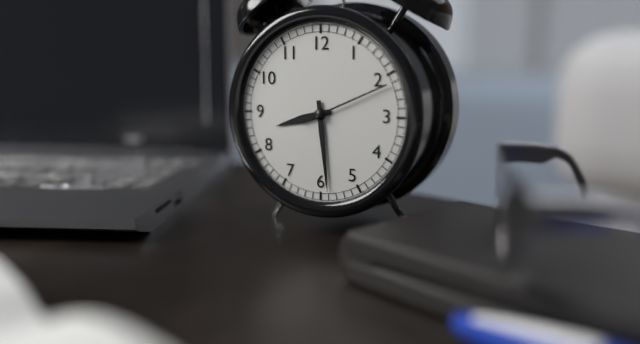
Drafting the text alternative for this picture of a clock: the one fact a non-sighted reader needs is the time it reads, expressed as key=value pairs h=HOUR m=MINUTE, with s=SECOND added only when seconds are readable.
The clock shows h=8 m=29 s=11
